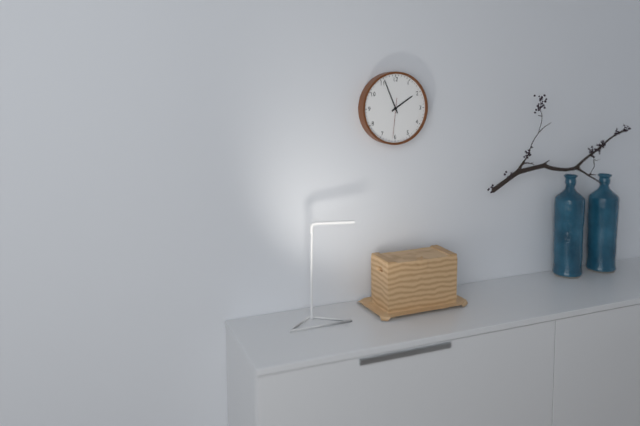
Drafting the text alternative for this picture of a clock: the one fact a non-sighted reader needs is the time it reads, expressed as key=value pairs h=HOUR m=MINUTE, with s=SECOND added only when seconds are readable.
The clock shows h=1 m=56
